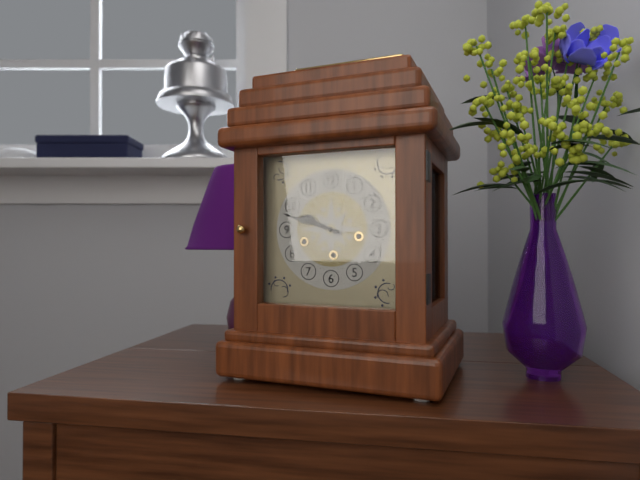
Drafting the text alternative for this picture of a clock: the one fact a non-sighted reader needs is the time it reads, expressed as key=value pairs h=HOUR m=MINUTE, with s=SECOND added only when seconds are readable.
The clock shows h=9 m=48
